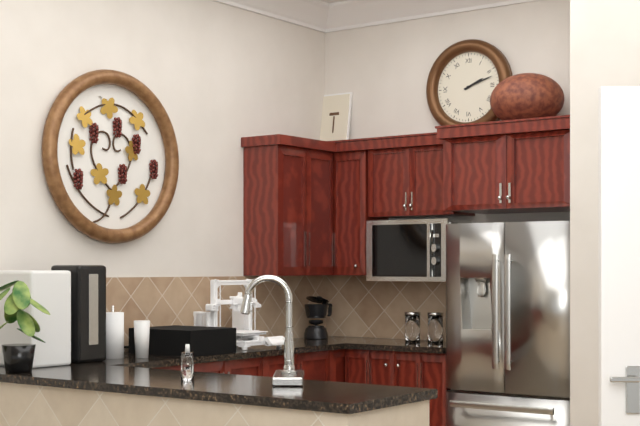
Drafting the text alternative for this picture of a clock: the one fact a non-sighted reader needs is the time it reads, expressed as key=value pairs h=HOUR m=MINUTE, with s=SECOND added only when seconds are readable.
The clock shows h=2 m=12
